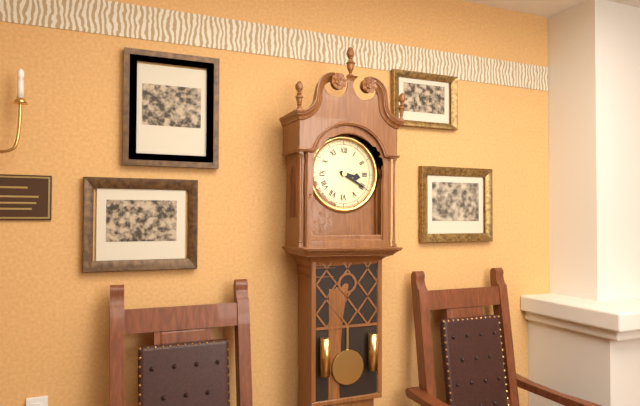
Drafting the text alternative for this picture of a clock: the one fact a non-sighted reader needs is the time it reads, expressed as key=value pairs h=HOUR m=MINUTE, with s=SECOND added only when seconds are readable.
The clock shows h=3 m=20
